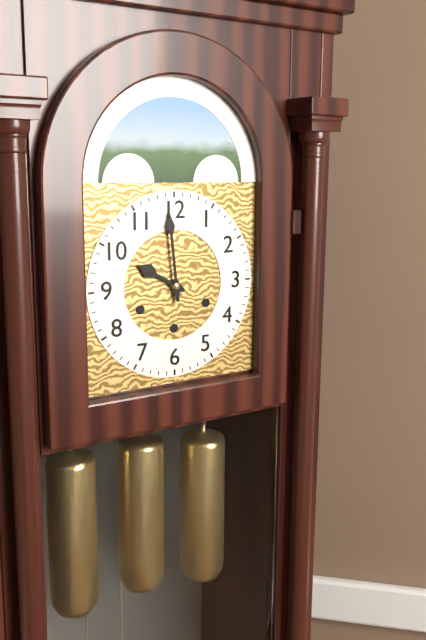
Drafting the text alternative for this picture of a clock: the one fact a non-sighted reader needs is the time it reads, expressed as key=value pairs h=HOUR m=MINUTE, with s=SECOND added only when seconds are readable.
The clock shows h=9 m=59
